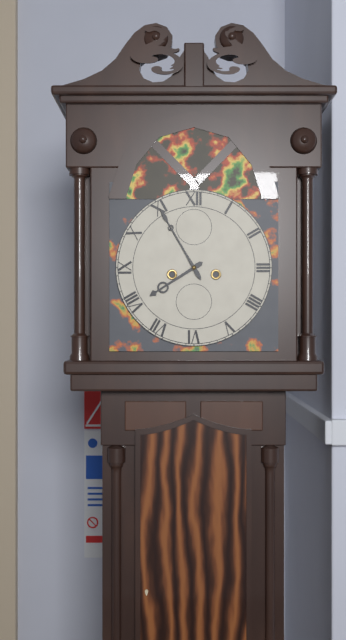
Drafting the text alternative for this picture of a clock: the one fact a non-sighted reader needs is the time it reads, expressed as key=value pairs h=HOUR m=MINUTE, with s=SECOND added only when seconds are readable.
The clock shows h=7 m=55
